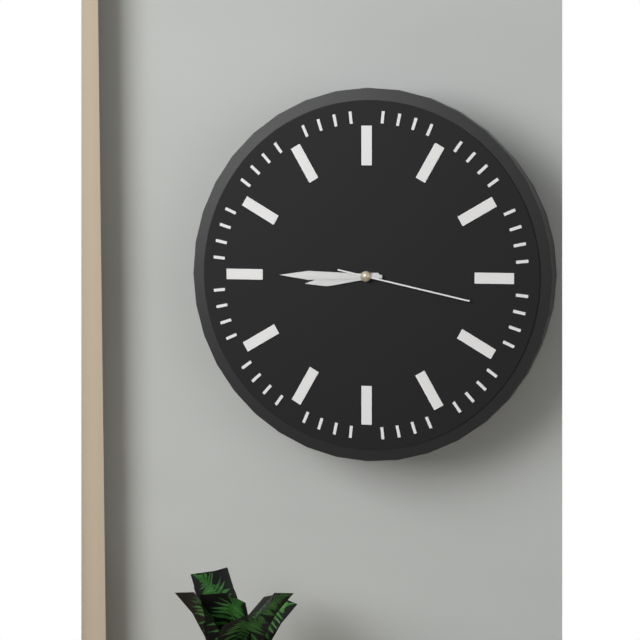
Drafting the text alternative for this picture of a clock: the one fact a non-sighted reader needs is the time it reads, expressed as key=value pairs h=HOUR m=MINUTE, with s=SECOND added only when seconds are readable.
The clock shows h=8 m=45 s=17
